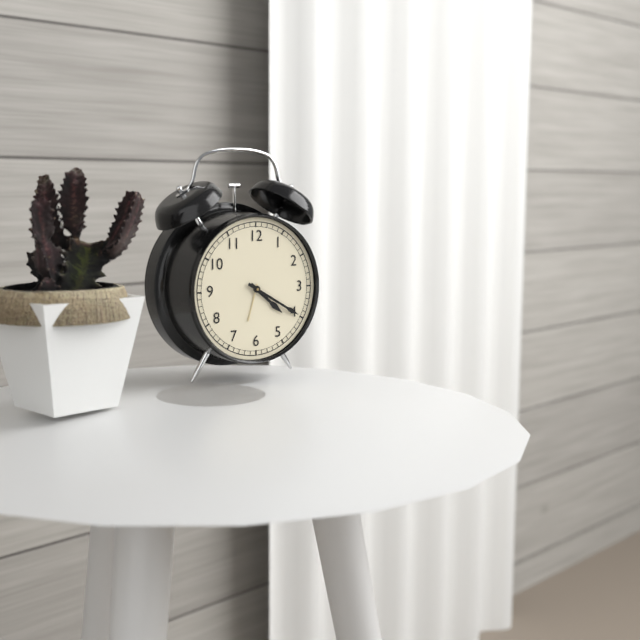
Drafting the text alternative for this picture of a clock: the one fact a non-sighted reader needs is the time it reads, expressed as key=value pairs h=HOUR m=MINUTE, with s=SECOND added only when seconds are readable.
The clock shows h=4 m=20
